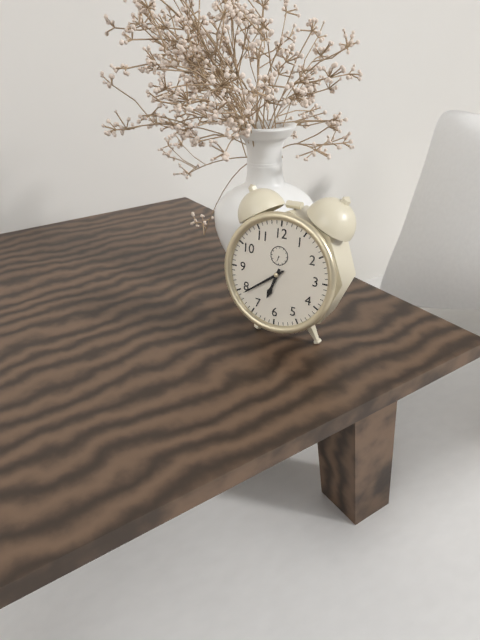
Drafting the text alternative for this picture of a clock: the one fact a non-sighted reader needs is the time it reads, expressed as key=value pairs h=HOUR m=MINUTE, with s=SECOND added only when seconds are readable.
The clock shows h=6 m=39
